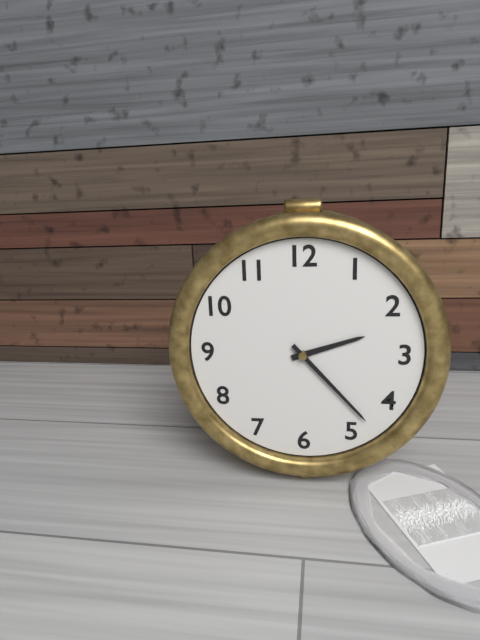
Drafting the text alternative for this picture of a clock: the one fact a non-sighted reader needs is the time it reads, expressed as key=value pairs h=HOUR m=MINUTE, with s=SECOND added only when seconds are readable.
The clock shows h=2 m=23
